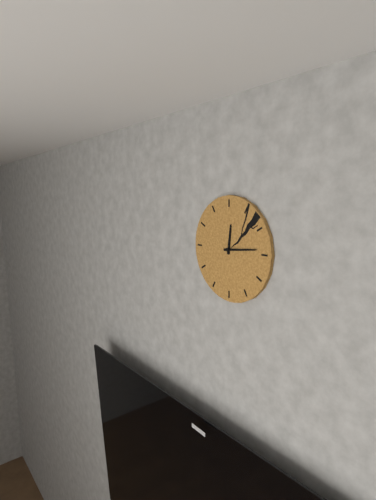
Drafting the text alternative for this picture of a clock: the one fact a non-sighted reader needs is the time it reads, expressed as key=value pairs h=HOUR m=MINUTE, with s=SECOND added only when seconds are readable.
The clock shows h=12 m=14
